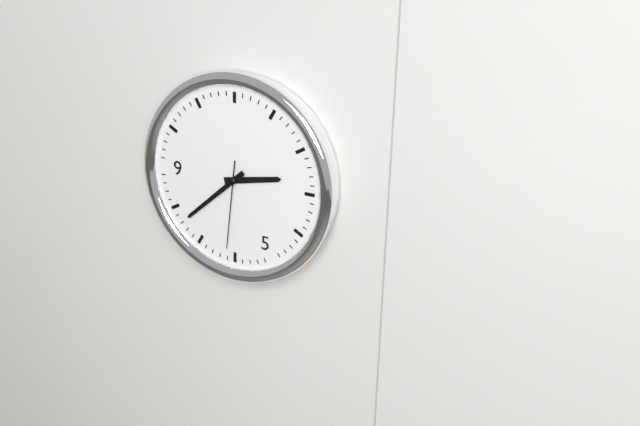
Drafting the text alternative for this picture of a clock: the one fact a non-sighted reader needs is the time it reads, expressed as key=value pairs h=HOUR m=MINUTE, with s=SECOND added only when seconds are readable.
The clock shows h=2 m=38 s=31
